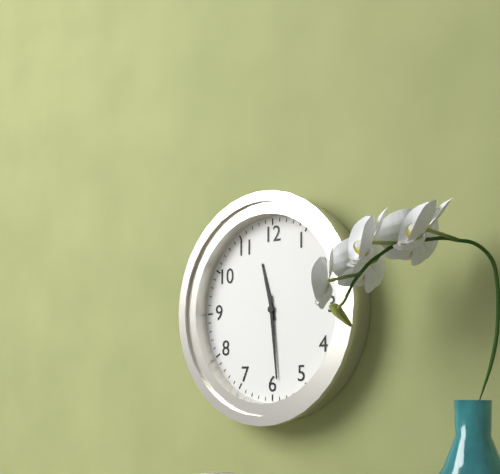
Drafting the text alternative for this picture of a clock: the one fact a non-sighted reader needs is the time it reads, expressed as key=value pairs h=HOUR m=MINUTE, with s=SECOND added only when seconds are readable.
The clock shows h=11 m=29
